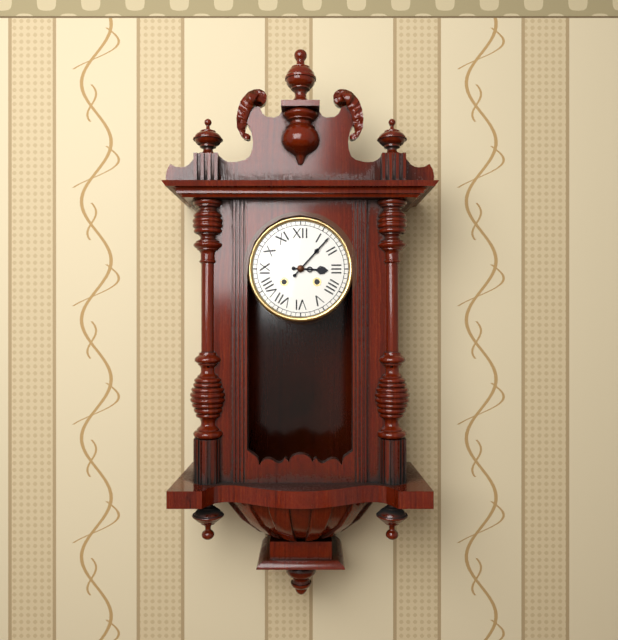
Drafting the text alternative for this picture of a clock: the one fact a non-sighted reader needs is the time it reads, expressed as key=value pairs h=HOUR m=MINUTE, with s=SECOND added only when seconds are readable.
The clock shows h=3 m=7
